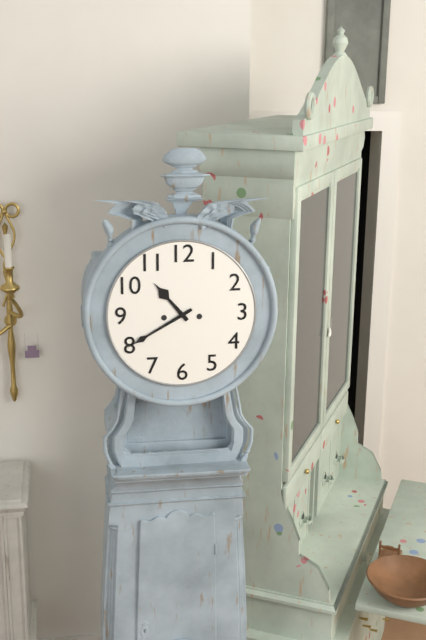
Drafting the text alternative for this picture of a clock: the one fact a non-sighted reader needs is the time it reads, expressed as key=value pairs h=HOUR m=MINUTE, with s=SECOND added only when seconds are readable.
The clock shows h=10 m=40
